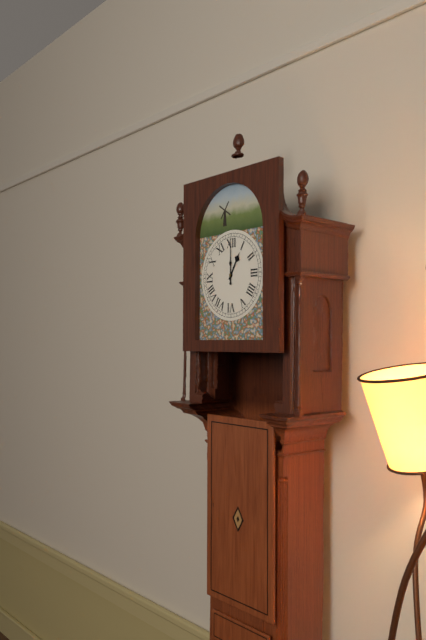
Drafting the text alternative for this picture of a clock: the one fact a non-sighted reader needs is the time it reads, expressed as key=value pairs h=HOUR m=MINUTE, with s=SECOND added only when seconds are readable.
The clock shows h=1 m=0
